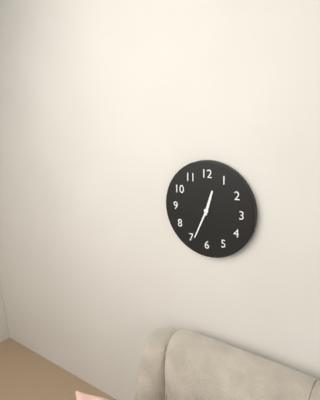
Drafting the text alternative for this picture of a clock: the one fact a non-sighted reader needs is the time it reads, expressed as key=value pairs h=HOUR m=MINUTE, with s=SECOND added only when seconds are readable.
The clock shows h=12 m=34
